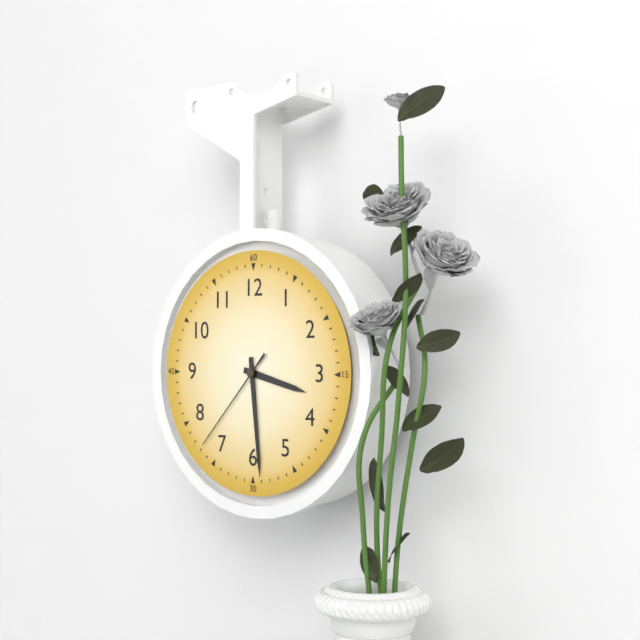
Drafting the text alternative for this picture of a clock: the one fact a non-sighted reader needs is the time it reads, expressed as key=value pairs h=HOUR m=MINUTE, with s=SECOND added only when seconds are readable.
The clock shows h=3 m=29 s=37
